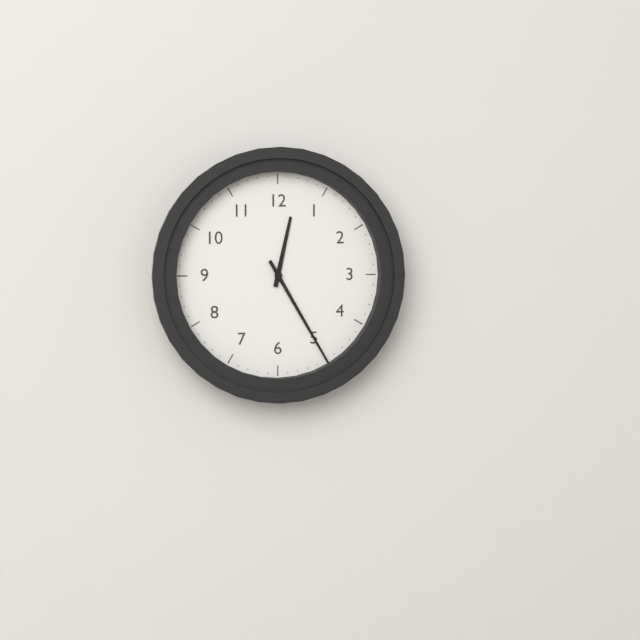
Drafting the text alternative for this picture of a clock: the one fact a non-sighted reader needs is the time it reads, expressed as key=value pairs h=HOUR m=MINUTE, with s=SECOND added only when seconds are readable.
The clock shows h=12 m=25
